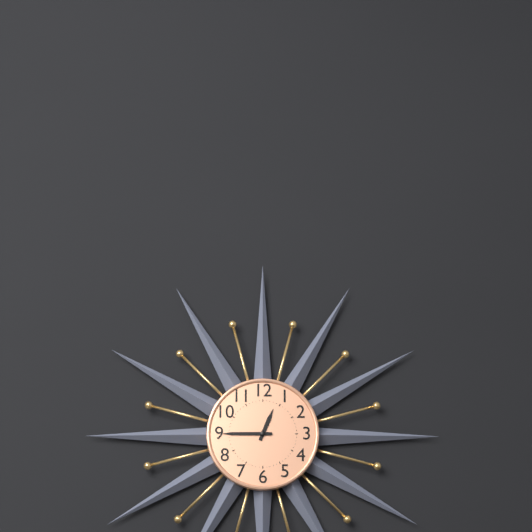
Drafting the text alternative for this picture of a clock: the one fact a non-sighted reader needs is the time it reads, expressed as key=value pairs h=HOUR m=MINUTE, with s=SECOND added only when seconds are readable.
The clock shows h=12 m=45
